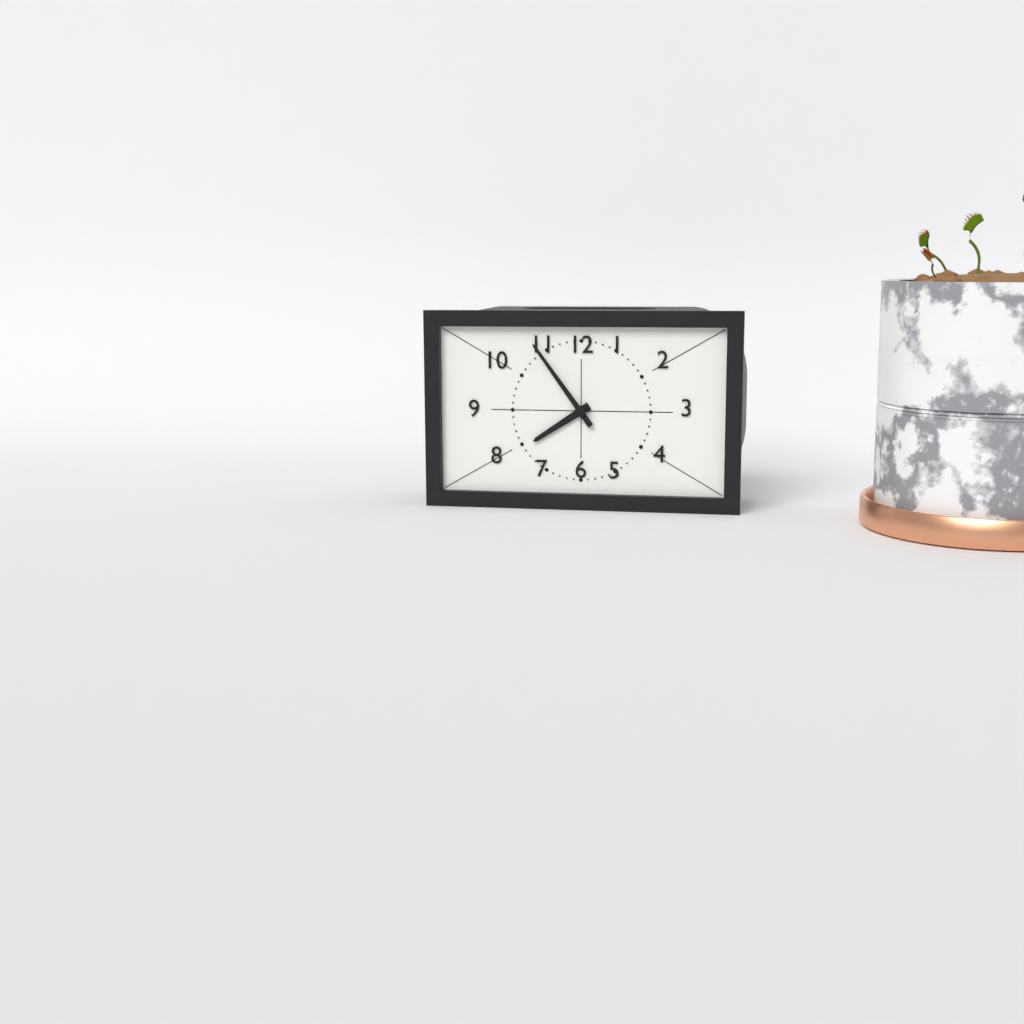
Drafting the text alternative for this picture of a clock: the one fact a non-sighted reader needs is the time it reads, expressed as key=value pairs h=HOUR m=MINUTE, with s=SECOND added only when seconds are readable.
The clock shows h=7 m=54
